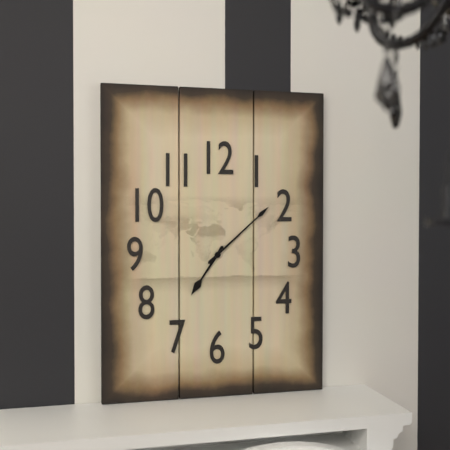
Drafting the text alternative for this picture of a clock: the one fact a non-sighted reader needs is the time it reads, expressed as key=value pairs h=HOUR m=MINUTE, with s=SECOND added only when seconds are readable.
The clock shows h=7 m=8
